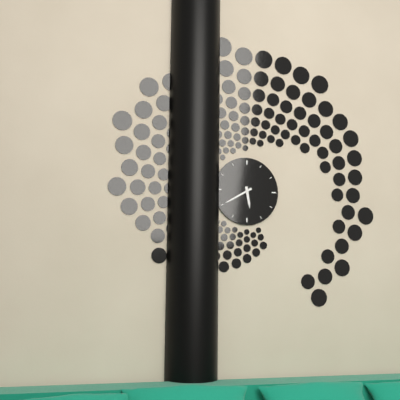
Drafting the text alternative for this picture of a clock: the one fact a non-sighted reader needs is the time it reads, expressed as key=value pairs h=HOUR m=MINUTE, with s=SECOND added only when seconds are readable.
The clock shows h=5 m=40
